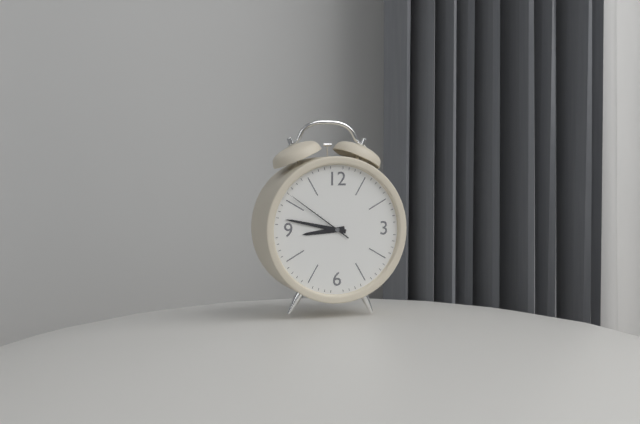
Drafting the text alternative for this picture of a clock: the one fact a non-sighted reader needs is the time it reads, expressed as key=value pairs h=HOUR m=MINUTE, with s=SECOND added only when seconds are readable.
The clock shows h=8 m=47 s=51
